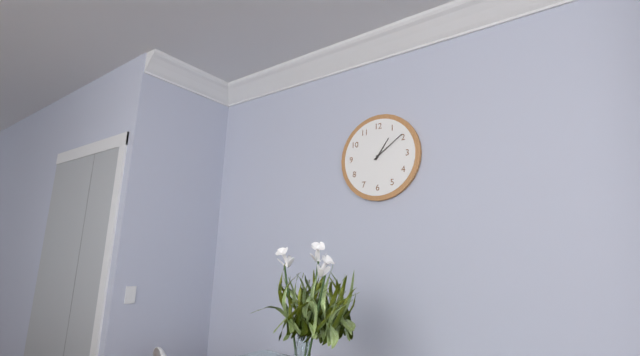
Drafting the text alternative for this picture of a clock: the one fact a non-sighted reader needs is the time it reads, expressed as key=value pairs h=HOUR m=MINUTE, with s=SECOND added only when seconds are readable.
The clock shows h=1 m=9
